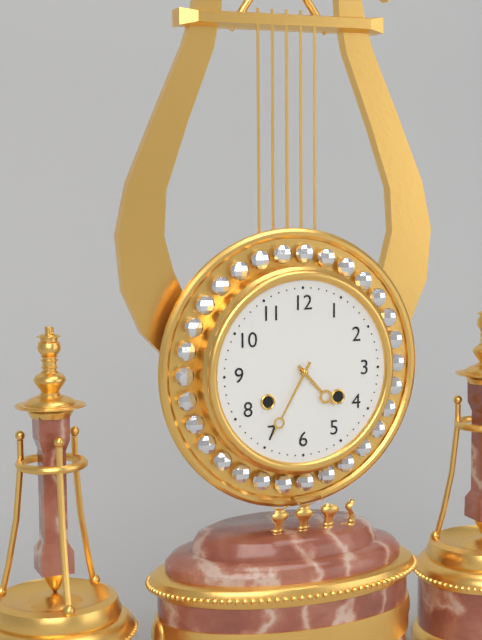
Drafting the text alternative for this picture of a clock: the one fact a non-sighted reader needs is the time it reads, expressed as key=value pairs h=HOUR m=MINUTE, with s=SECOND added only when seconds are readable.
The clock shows h=4 m=35
